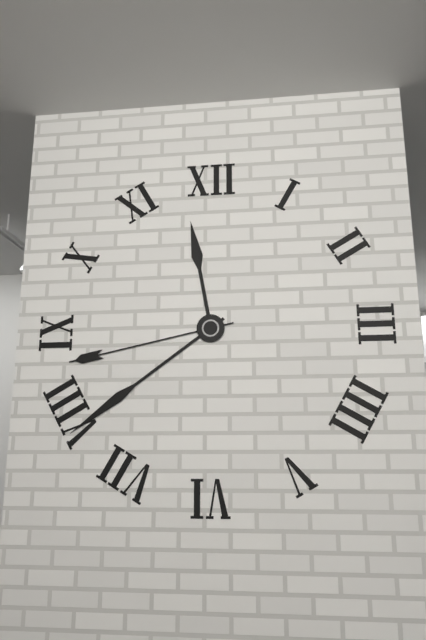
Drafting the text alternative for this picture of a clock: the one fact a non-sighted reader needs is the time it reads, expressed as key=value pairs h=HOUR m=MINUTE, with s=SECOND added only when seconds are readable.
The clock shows h=11 m=39 s=43
